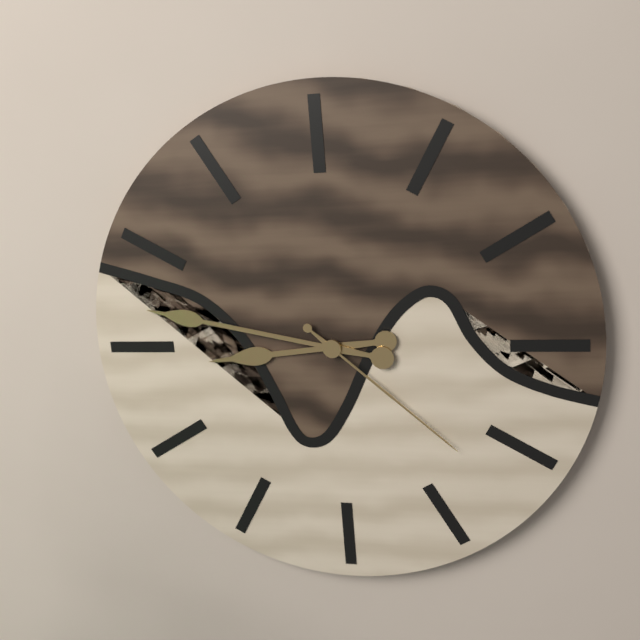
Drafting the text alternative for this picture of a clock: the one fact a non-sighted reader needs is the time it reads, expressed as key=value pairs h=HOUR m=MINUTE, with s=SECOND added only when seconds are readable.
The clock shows h=8 m=47 s=22
